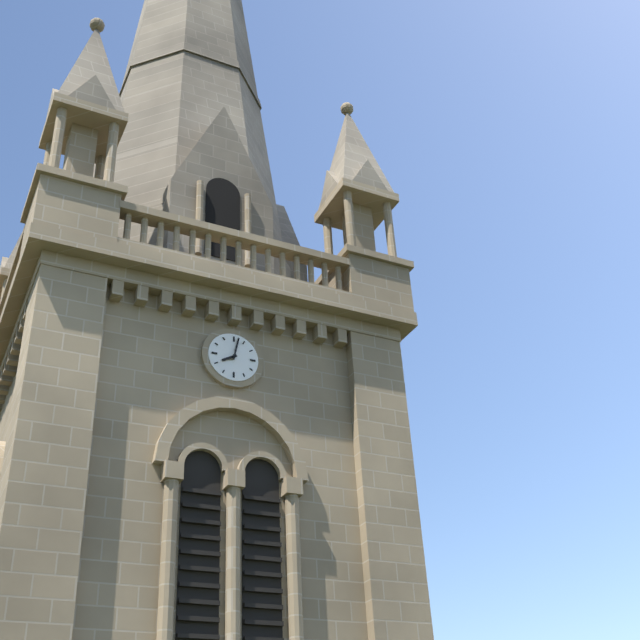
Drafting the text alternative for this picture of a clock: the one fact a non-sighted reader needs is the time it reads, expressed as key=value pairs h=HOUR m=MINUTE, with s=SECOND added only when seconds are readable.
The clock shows h=8 m=2
